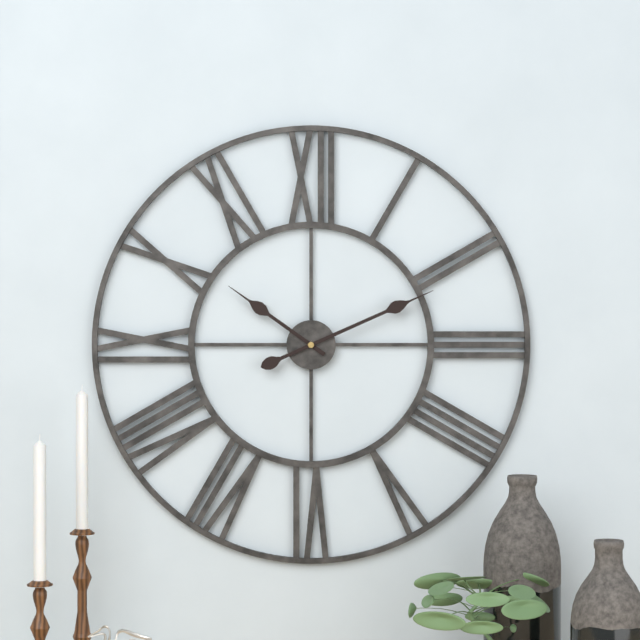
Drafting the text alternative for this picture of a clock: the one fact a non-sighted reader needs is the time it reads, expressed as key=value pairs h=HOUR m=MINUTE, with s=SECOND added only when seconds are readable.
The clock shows h=10 m=11
